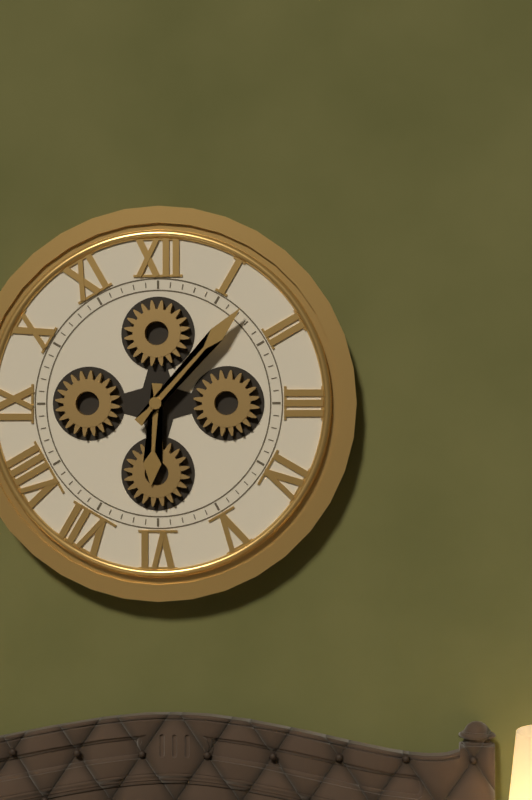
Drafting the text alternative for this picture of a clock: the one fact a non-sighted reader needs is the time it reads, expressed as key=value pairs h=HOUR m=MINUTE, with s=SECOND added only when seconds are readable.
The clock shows h=6 m=7
